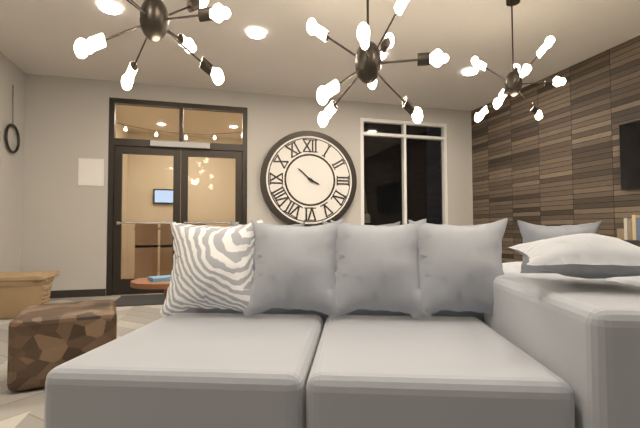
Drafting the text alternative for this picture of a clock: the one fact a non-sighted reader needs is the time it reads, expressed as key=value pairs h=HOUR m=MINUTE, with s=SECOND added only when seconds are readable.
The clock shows h=3 m=52
